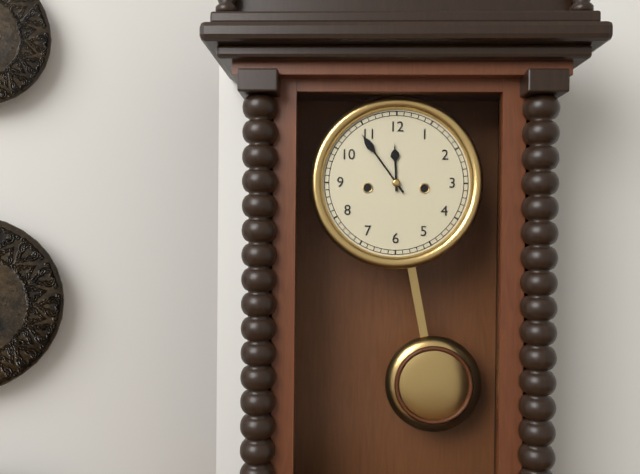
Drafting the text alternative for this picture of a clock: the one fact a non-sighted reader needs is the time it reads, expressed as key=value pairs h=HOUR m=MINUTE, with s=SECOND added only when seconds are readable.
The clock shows h=11 m=54
